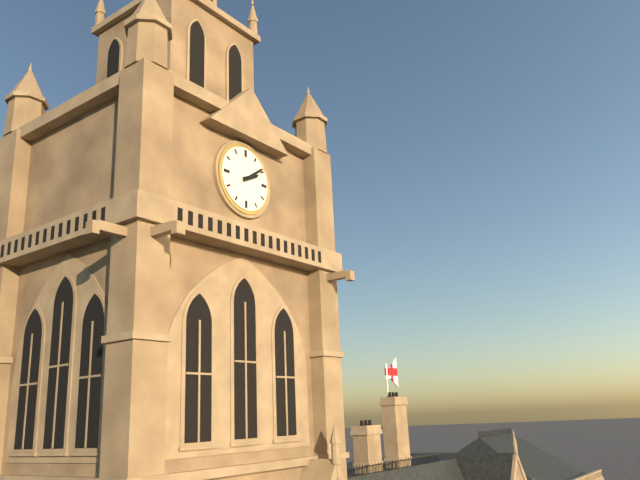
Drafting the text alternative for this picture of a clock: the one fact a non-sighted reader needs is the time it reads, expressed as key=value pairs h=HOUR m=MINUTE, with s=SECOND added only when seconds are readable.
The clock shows h=2 m=9
